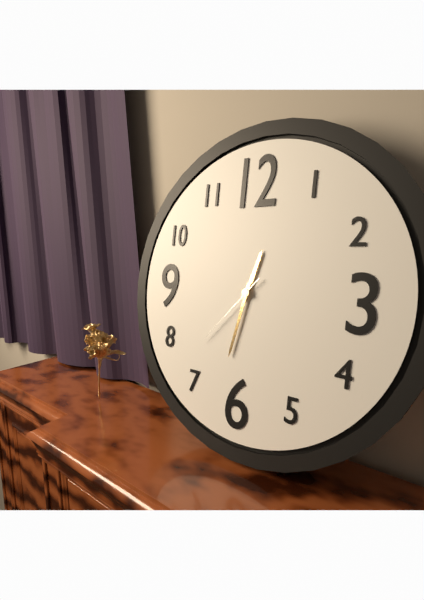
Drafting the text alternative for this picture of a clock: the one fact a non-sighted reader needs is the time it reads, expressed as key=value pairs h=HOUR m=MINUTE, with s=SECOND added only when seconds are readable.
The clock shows h=12 m=32 s=37
